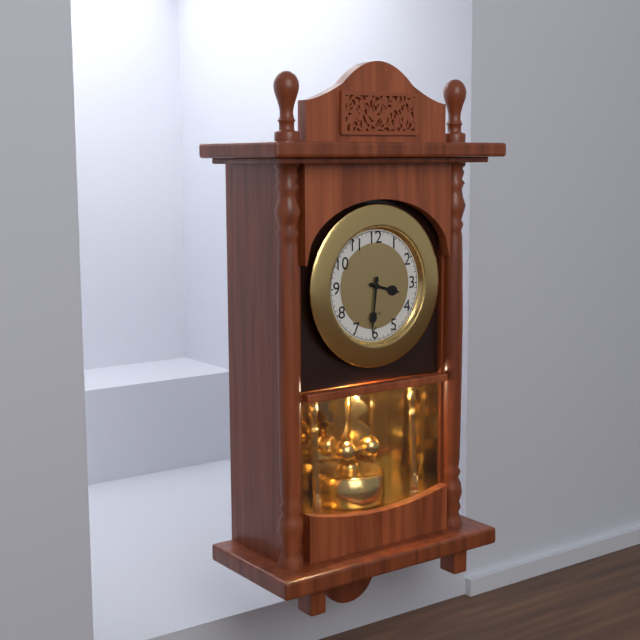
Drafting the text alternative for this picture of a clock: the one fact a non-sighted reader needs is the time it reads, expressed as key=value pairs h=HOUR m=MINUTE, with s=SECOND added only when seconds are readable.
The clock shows h=3 m=31
